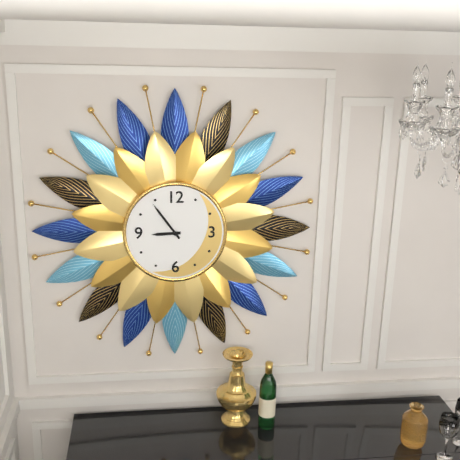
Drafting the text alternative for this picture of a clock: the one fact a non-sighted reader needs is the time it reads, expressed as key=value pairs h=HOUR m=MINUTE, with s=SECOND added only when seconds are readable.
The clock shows h=8 m=54
